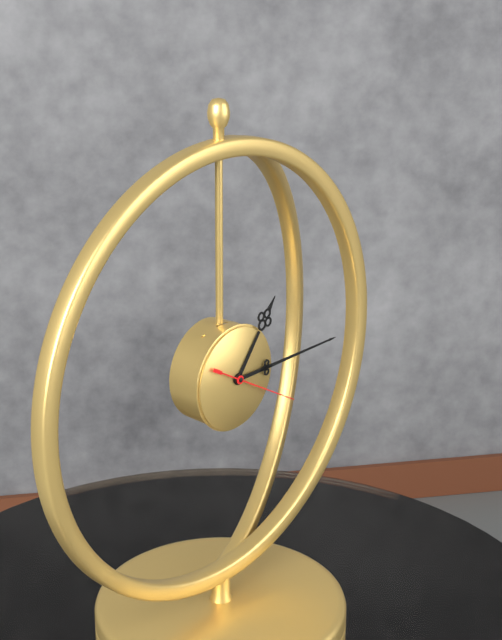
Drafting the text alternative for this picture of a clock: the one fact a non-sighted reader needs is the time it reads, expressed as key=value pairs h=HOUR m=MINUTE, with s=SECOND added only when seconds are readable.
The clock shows h=1 m=15 s=20
